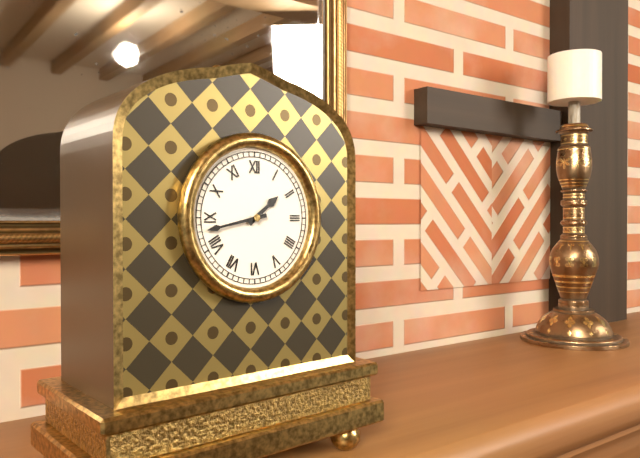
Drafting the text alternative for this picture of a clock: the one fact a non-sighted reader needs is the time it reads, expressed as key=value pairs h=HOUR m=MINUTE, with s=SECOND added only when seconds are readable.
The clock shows h=1 m=43
